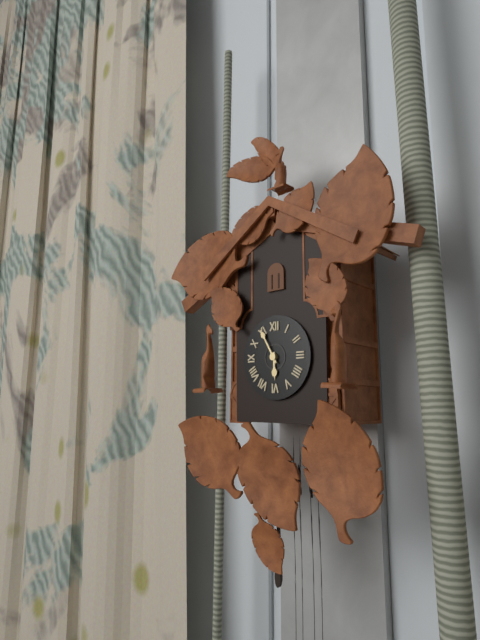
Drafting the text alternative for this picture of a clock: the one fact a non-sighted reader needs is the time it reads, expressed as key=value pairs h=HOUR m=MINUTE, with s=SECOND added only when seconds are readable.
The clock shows h=5 m=55
